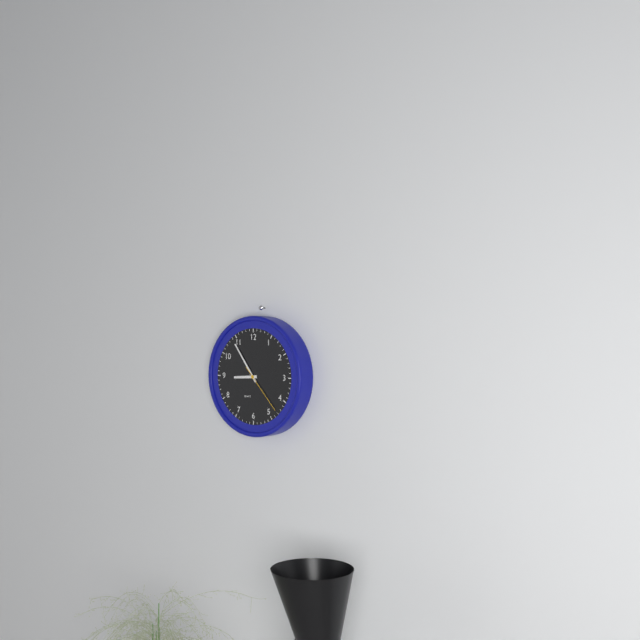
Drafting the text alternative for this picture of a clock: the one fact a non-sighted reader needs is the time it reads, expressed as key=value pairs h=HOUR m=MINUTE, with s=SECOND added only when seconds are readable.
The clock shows h=8 m=54
